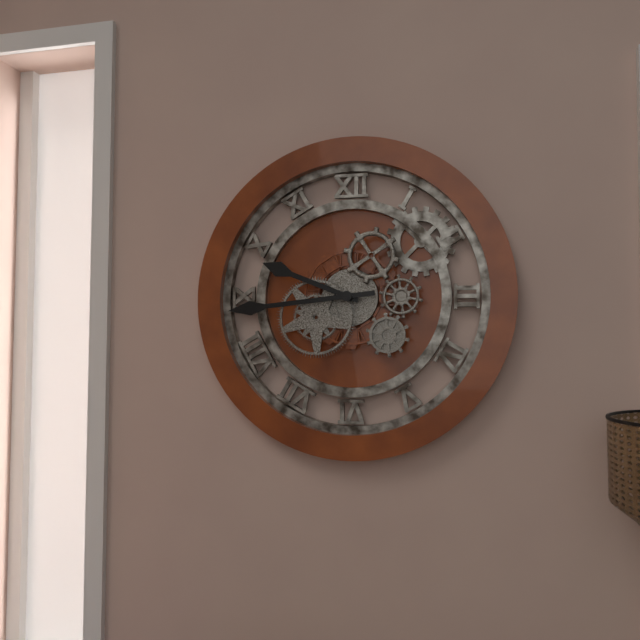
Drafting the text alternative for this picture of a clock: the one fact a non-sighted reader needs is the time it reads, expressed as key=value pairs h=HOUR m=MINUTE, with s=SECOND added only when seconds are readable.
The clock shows h=9 m=44
